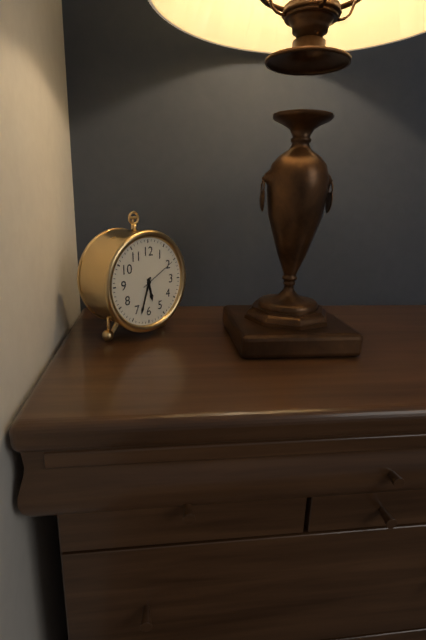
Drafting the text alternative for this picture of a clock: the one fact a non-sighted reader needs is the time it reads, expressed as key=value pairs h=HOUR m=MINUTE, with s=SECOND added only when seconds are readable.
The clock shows h=5 m=33
